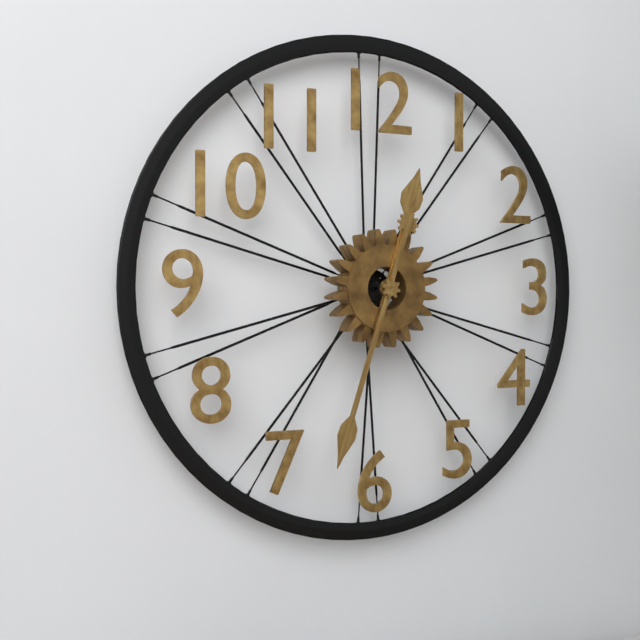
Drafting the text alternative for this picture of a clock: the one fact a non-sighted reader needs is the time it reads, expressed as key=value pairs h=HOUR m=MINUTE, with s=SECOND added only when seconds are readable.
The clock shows h=12 m=33
